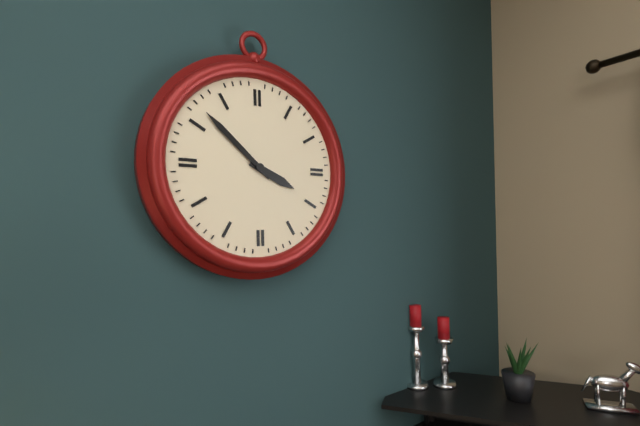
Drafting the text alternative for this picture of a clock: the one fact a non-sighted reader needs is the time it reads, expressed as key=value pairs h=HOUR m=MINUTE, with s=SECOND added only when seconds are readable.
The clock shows h=3 m=52
